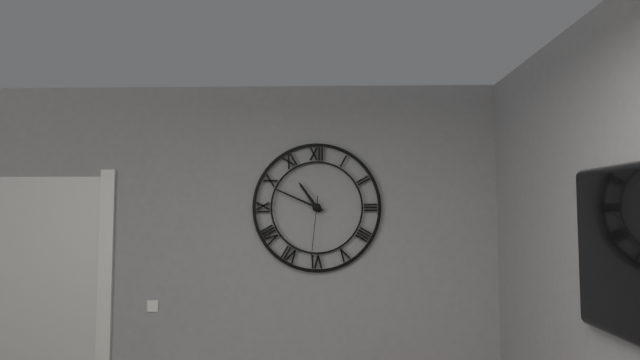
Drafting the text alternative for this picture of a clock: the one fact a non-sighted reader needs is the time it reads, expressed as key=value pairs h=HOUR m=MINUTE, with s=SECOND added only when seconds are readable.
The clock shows h=10 m=49 s=31
